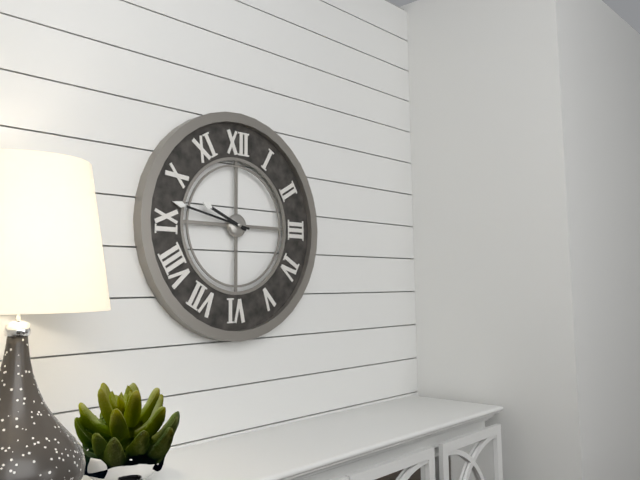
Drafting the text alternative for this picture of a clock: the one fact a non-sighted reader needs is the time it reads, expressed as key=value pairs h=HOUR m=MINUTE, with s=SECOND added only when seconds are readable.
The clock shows h=9 m=47
